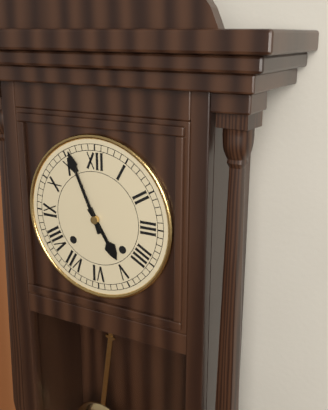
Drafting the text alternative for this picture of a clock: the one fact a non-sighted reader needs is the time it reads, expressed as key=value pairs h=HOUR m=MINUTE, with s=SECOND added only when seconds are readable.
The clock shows h=4 m=56
